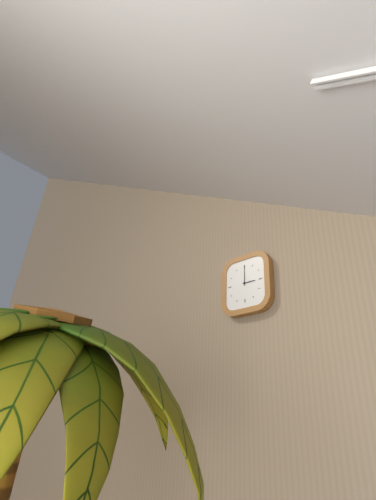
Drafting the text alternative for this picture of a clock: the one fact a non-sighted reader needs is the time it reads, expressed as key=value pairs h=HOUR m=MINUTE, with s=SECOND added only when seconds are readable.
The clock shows h=3 m=0
